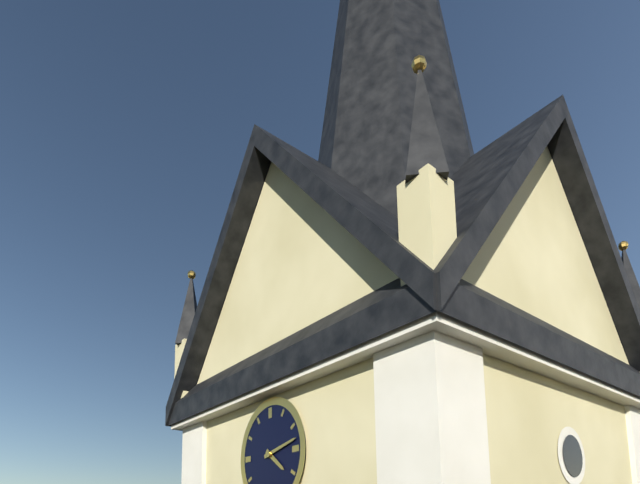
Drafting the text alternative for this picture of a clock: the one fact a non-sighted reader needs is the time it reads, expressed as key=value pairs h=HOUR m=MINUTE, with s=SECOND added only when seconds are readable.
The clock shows h=4 m=13
